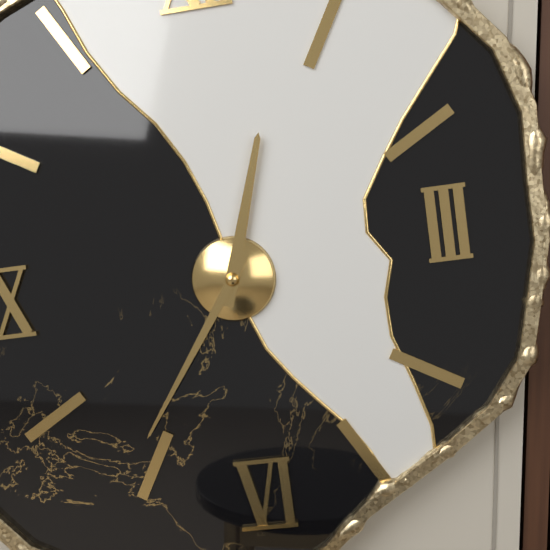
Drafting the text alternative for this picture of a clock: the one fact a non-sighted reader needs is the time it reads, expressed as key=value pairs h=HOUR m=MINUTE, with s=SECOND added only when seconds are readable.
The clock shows h=12 m=36
